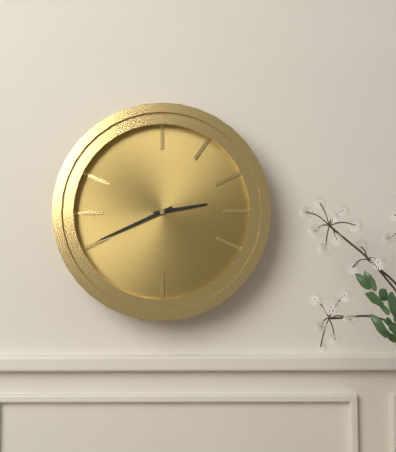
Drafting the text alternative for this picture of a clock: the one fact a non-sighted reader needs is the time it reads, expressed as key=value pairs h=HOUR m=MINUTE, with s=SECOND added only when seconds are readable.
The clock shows h=2 m=41
